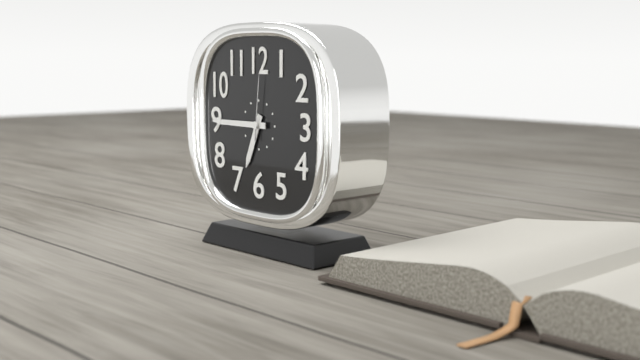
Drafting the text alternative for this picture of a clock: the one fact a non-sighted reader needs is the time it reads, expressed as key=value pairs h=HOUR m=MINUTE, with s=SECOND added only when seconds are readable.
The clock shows h=6 m=45 s=1
